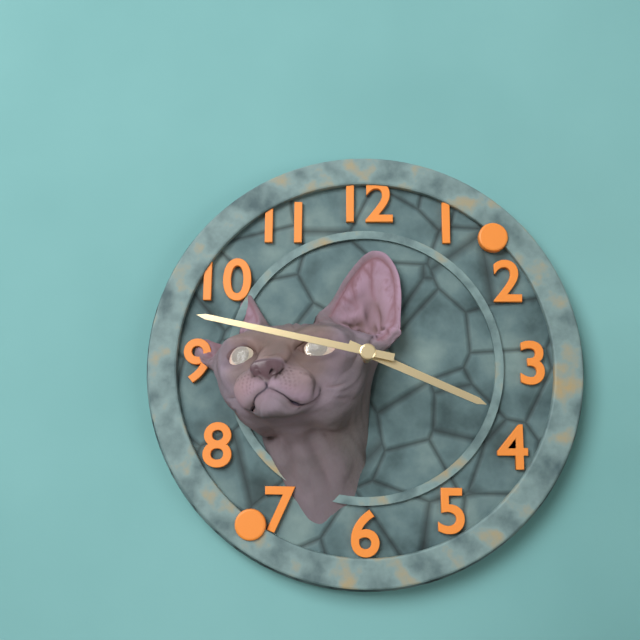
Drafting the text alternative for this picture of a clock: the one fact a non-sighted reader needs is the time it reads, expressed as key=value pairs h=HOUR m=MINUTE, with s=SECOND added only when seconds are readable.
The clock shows h=3 m=47
